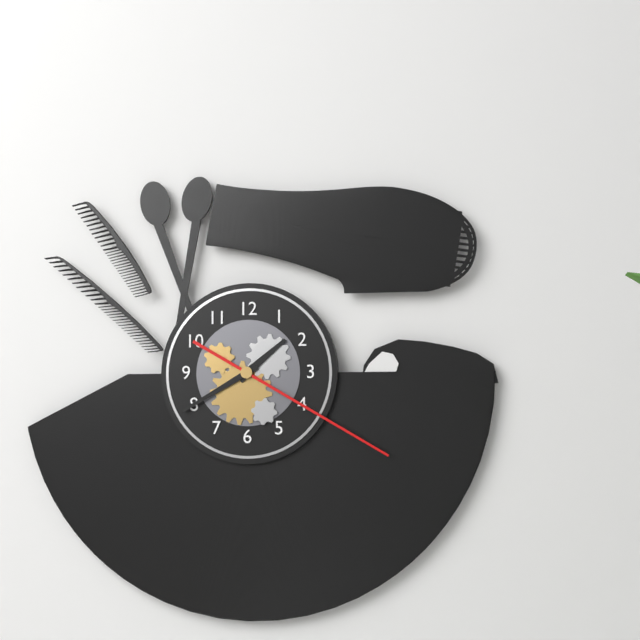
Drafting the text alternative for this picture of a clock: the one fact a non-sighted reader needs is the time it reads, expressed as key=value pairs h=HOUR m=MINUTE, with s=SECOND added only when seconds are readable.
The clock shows h=1 m=40 s=20
